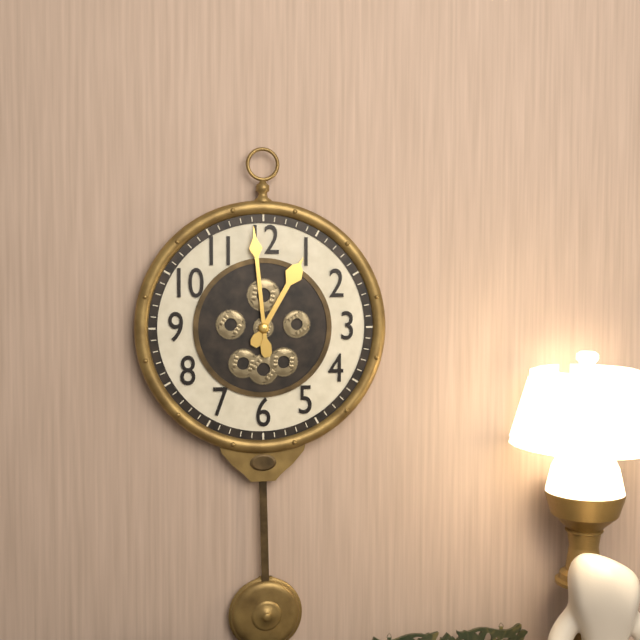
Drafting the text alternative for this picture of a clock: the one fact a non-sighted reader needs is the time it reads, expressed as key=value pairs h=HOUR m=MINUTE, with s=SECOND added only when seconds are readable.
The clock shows h=12 m=59
